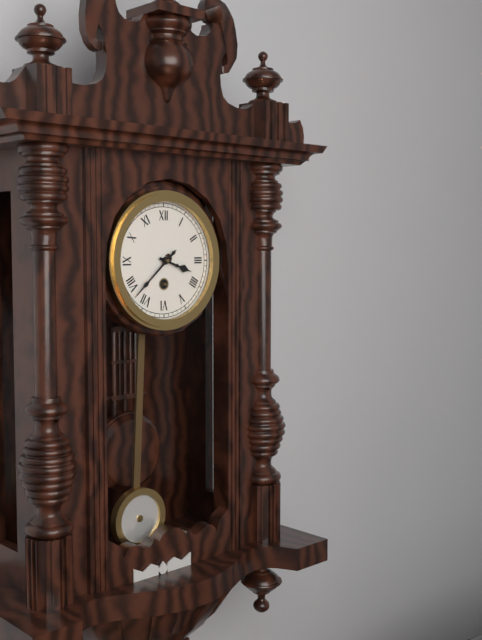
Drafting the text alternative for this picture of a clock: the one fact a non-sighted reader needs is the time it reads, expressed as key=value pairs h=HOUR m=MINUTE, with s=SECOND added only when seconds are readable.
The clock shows h=3 m=38
